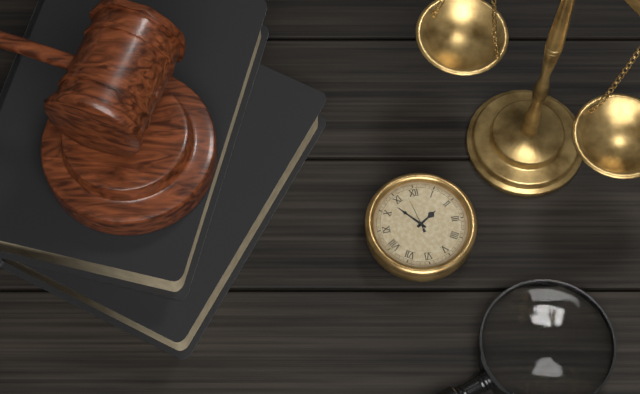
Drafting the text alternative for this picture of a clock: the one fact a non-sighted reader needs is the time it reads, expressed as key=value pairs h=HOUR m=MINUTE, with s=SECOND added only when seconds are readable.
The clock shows h=1 m=53
